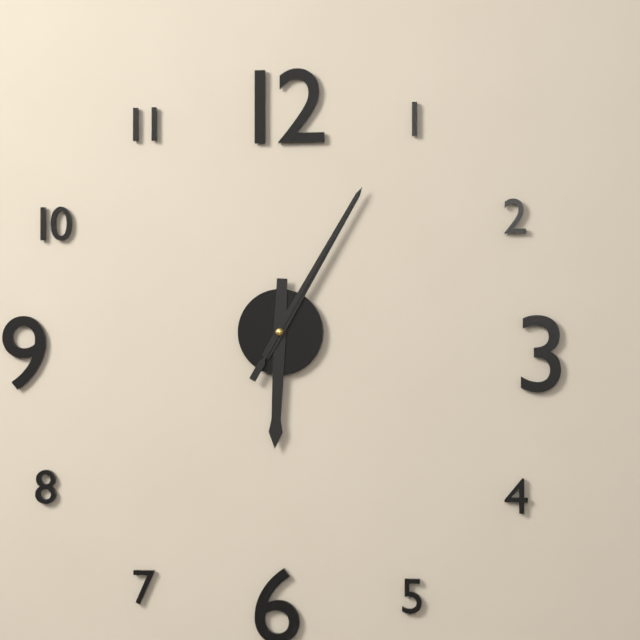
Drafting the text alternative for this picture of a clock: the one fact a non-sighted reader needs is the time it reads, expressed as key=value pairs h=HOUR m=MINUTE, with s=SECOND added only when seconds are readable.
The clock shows h=6 m=5 s=5
